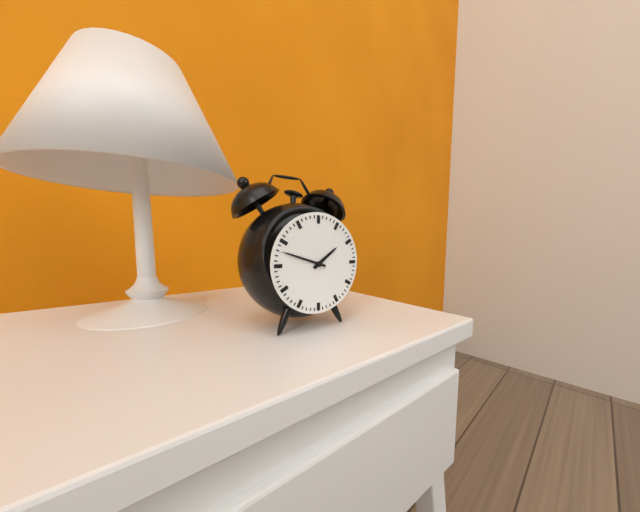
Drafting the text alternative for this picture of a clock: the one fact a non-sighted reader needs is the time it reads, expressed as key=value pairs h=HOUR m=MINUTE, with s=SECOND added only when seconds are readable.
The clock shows h=1 m=48
